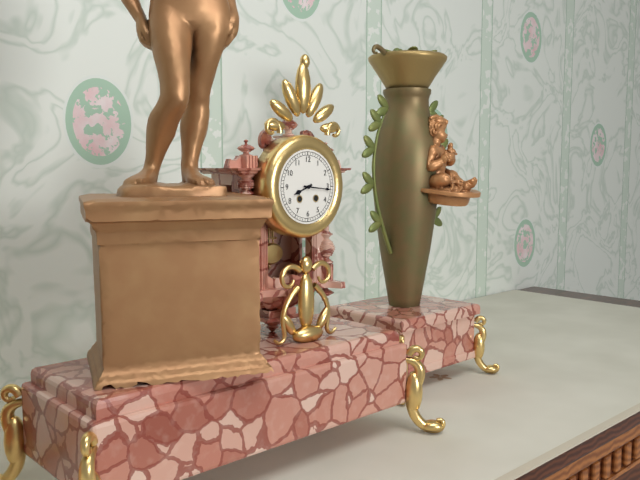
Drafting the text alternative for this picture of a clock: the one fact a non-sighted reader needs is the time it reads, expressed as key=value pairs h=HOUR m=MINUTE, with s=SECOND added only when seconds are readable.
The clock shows h=8 m=16
